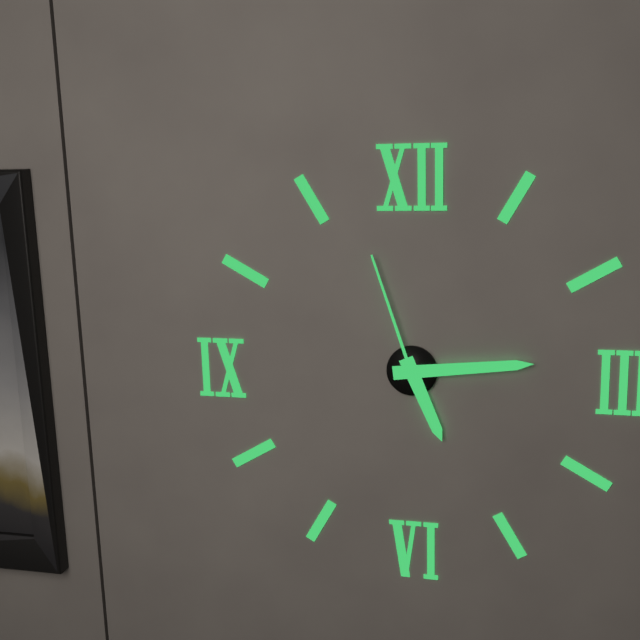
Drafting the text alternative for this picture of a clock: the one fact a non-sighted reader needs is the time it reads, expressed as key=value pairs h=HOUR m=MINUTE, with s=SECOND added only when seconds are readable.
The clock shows h=5 m=14 s=57
